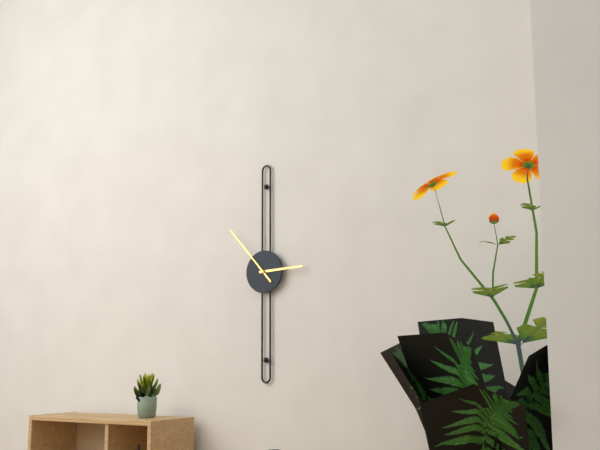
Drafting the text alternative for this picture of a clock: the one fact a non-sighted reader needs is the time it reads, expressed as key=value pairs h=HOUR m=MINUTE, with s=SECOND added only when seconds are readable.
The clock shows h=2 m=53
